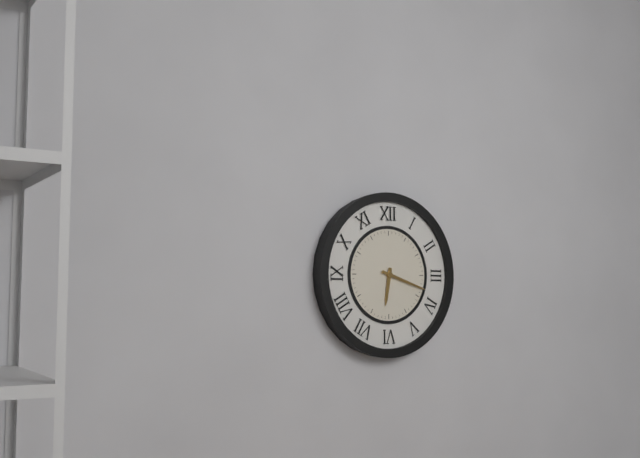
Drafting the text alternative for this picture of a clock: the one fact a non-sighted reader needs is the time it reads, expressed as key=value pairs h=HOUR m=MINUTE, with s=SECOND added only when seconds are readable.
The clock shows h=6 m=18
